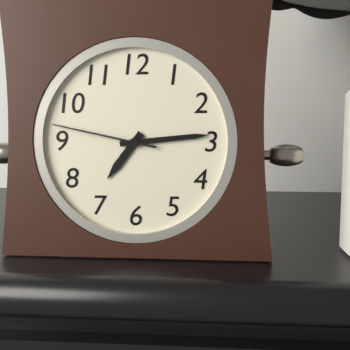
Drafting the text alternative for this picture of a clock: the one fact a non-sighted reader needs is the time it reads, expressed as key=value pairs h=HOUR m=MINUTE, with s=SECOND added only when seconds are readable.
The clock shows h=7 m=14 s=47
